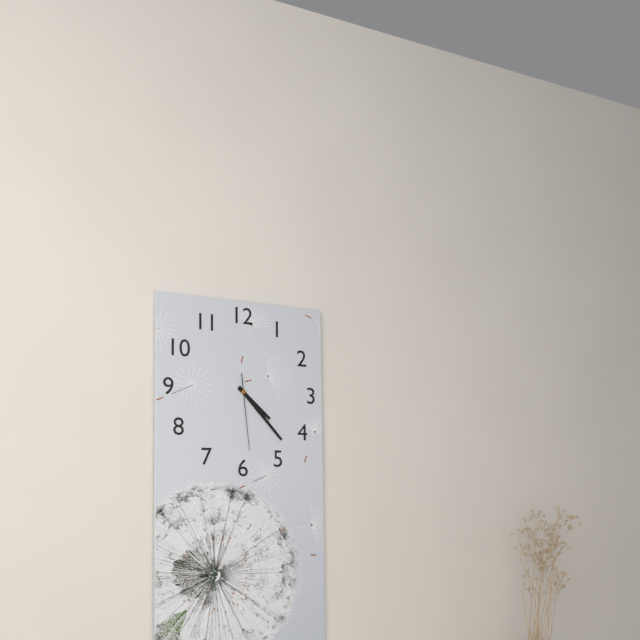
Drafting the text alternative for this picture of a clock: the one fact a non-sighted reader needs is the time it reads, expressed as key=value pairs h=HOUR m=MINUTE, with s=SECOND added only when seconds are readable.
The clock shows h=4 m=23 s=29
